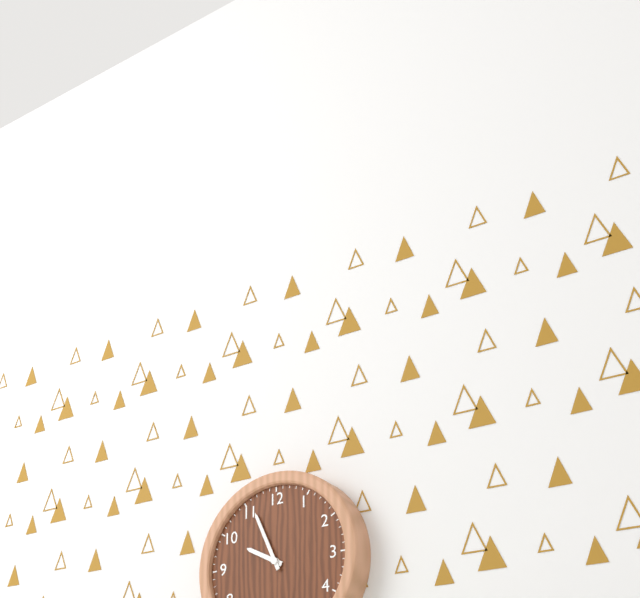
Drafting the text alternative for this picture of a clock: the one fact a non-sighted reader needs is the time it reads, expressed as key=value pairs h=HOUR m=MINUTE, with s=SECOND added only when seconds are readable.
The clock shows h=9 m=56
